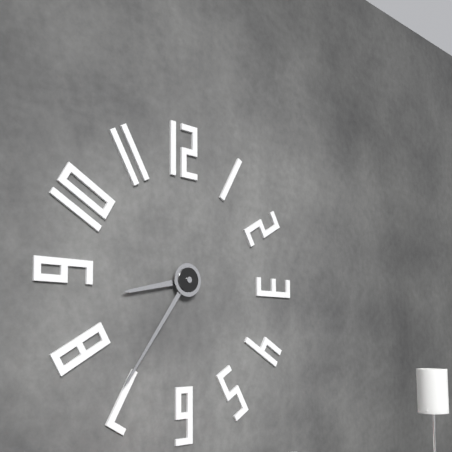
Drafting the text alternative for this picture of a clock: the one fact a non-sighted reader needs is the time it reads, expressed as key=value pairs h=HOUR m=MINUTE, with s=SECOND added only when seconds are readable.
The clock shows h=8 m=36
